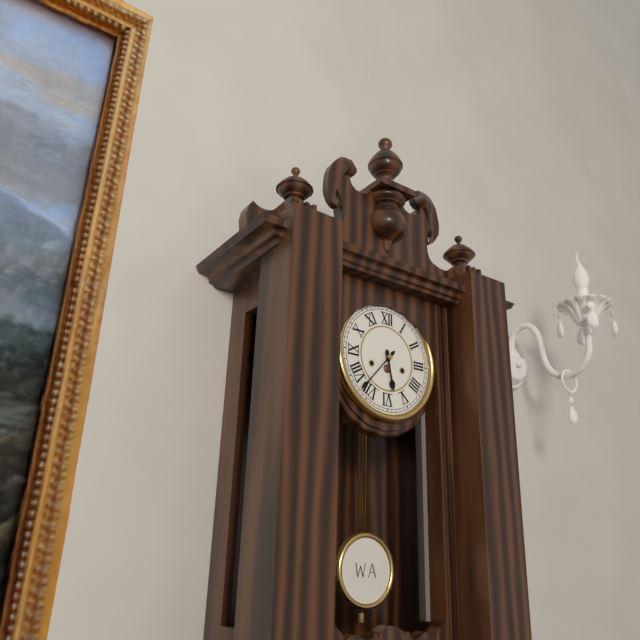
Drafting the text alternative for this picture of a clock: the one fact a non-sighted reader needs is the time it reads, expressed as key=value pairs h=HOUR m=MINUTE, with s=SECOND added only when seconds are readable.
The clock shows h=5 m=37
